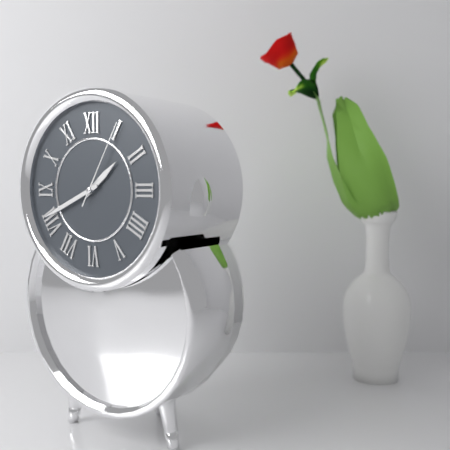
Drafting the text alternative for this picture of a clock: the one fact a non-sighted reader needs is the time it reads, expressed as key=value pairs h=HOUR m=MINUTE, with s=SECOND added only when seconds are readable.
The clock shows h=1 m=41 s=5
